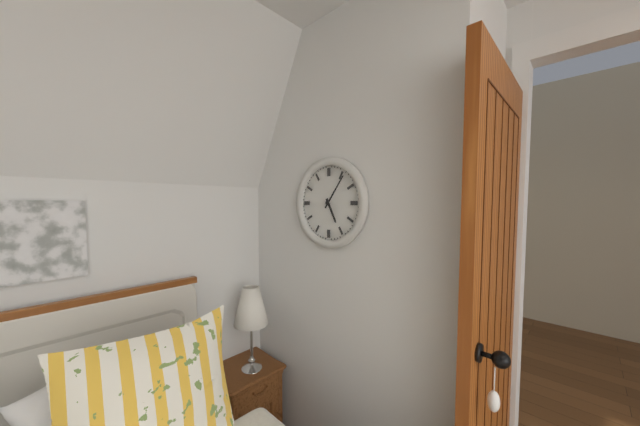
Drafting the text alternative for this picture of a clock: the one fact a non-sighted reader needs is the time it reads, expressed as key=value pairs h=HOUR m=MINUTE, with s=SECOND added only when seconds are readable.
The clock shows h=5 m=6
